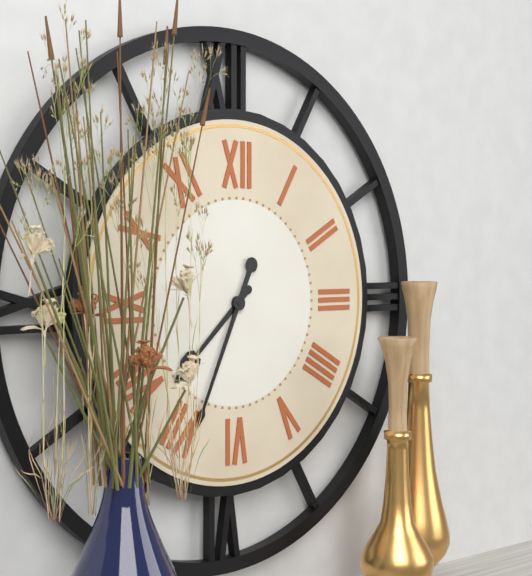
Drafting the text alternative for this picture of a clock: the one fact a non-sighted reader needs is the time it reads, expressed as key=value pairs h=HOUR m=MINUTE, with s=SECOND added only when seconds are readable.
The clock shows h=7 m=34
